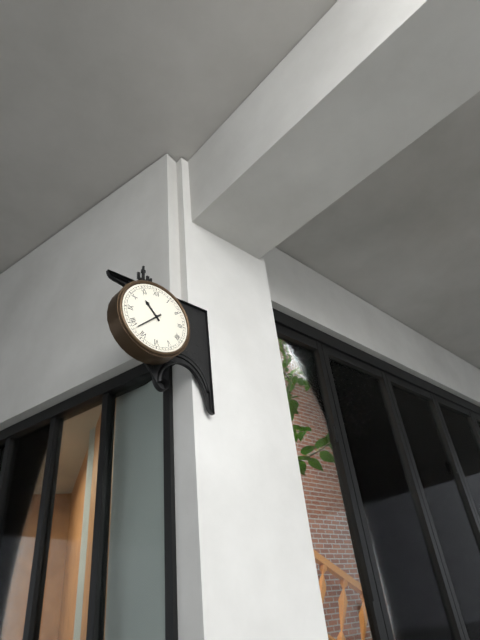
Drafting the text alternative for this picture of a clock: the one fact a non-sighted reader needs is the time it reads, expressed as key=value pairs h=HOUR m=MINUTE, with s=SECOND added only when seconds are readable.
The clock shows h=10 m=38
